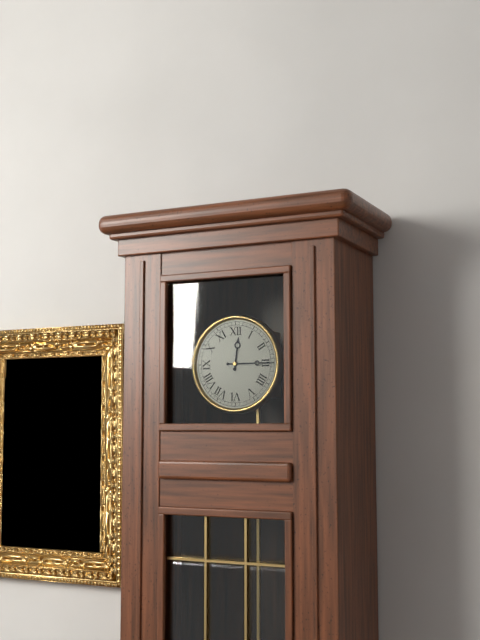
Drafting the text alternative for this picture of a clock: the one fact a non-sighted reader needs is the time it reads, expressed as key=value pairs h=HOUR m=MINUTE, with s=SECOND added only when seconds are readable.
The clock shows h=12 m=15
